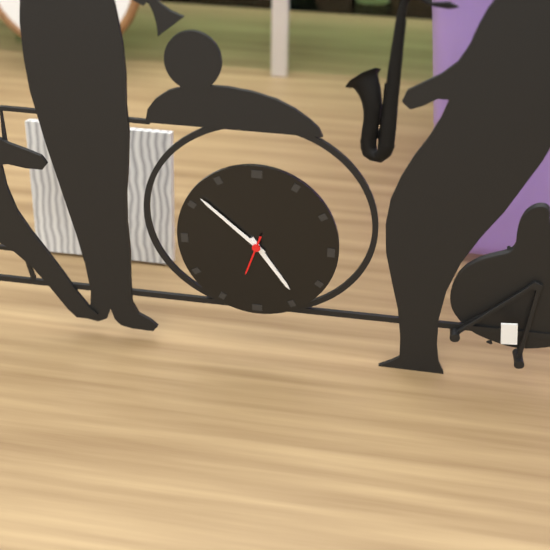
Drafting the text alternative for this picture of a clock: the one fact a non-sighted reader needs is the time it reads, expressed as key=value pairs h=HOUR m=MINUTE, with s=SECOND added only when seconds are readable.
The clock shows h=4 m=52
